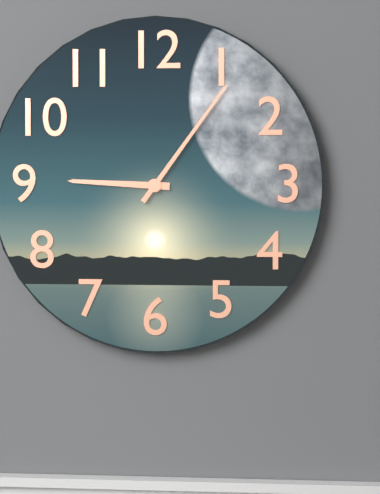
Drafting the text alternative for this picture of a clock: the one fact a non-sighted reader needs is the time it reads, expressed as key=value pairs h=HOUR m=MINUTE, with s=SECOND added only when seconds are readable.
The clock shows h=9 m=6
